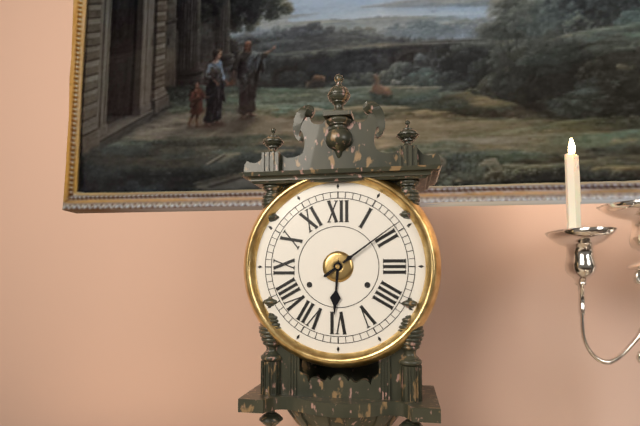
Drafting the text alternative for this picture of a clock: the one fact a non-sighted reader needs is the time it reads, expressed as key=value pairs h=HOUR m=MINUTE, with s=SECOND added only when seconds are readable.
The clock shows h=6 m=9
